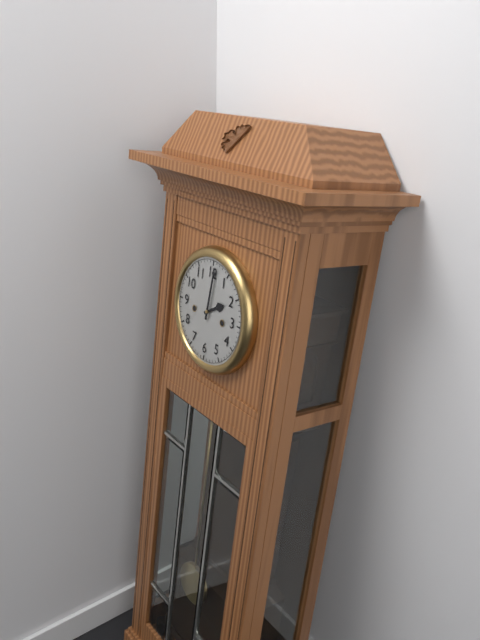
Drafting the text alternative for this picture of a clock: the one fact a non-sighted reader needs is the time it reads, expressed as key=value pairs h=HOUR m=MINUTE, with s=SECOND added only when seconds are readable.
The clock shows h=2 m=1
